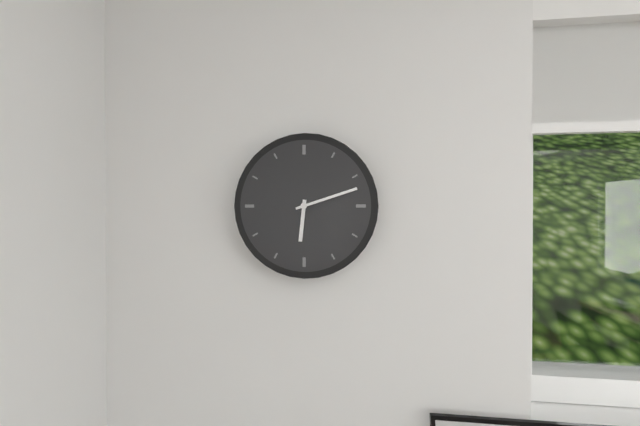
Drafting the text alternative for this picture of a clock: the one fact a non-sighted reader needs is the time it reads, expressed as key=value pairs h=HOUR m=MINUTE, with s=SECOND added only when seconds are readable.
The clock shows h=6 m=12
